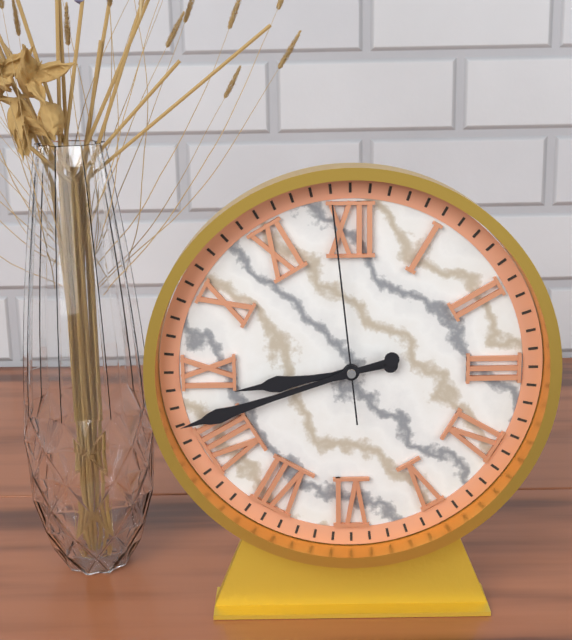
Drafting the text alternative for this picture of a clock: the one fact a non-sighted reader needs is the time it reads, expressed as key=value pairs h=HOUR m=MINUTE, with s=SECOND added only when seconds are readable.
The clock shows h=8 m=42 s=59
